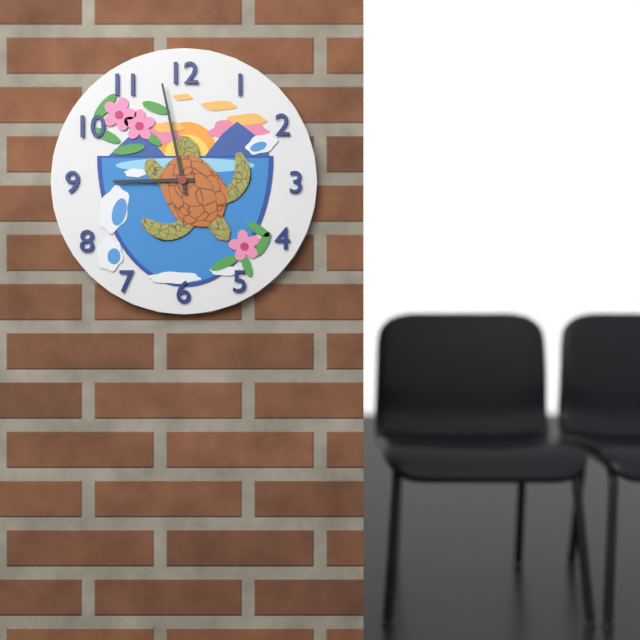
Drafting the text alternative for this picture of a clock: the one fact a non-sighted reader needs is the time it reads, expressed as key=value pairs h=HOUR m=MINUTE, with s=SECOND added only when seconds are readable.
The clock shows h=8 m=58
